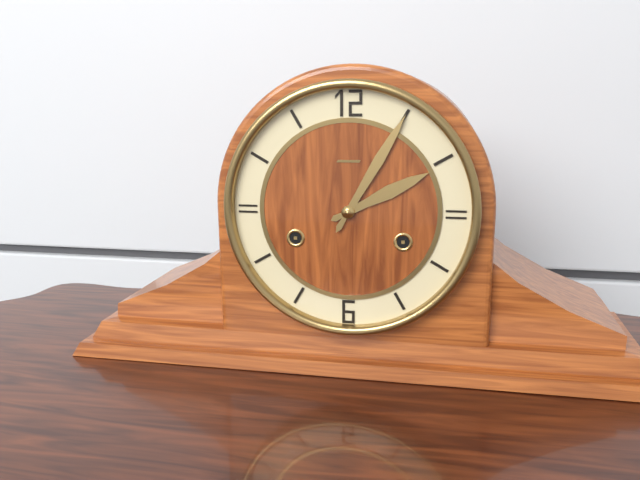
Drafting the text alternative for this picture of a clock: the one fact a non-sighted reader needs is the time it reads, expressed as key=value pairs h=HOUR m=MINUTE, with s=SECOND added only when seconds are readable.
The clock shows h=2 m=5
